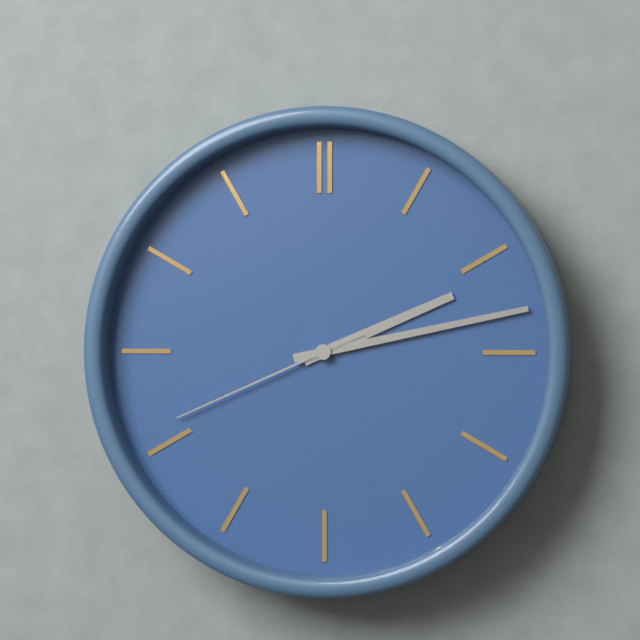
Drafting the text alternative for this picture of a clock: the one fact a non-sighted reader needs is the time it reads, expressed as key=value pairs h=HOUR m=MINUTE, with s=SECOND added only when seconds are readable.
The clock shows h=2 m=13 s=41
